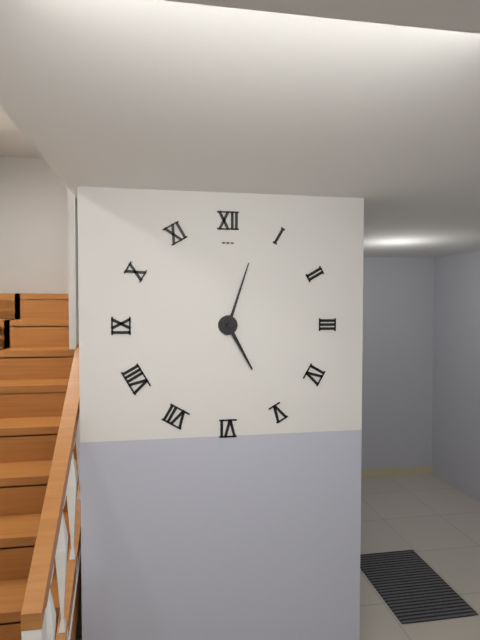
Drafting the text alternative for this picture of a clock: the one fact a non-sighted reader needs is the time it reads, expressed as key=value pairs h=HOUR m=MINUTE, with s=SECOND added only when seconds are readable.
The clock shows h=5 m=3
